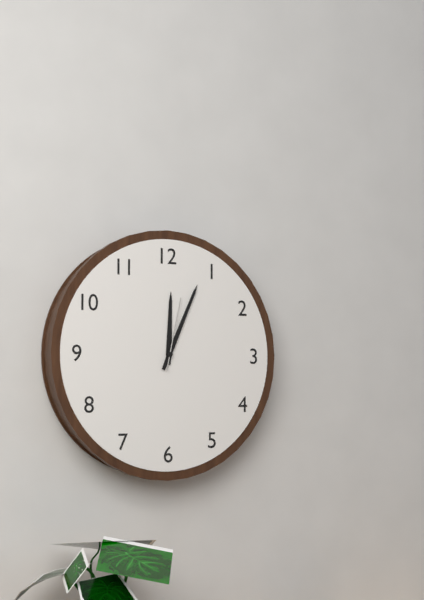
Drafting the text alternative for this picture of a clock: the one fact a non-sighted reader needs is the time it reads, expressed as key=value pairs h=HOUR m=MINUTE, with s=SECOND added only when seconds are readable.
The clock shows h=12 m=4 s=2
